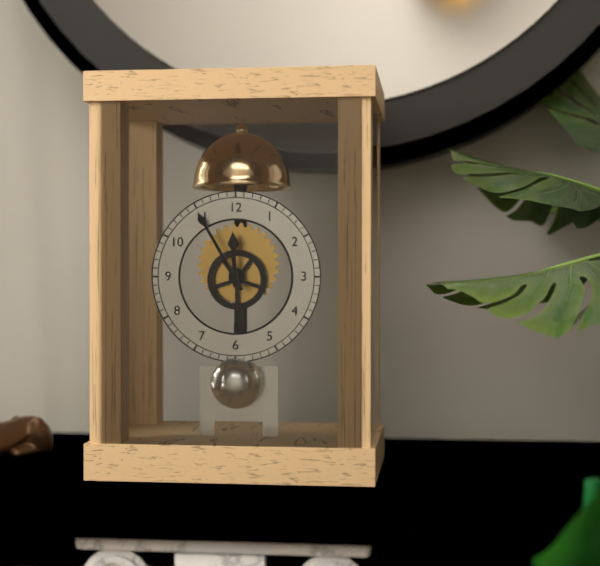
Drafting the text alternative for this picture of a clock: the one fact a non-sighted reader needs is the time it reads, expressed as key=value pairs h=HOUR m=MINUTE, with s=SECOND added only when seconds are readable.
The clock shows h=11 m=55
